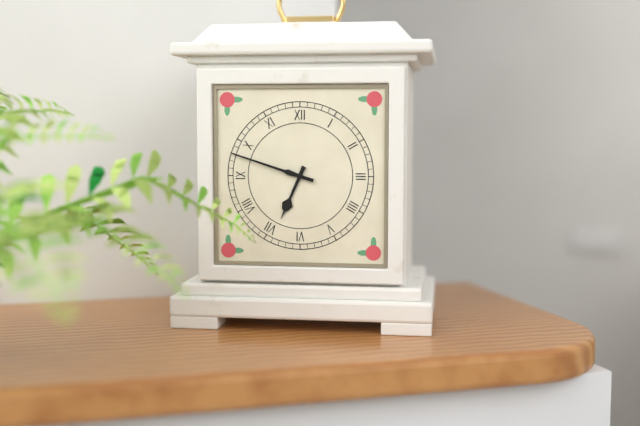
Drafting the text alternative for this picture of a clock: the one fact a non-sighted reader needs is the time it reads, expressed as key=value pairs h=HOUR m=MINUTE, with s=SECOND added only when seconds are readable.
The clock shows h=6 m=48
